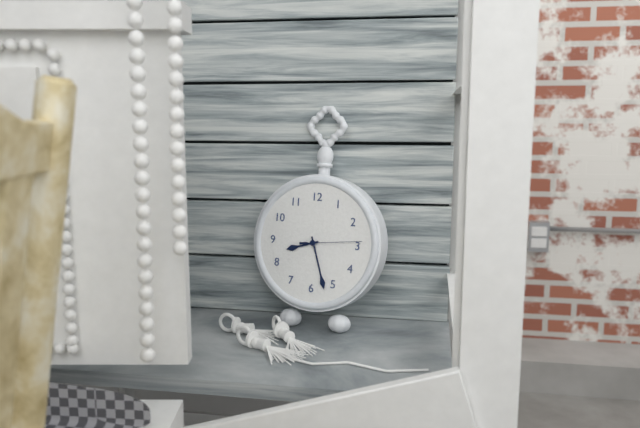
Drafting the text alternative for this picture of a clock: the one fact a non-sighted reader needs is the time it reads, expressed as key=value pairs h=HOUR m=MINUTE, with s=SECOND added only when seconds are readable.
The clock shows h=8 m=27 s=14
